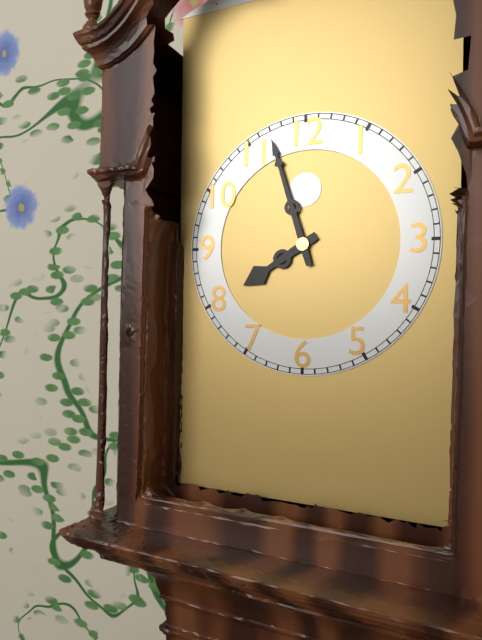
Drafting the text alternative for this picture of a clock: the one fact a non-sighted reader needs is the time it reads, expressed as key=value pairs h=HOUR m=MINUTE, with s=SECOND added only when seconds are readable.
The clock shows h=7 m=57
